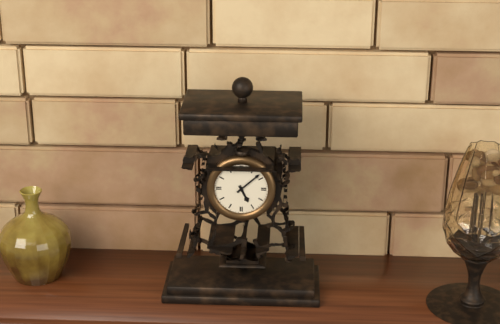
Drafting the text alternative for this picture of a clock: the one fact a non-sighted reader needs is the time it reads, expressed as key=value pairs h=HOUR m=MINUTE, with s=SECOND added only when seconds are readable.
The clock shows h=5 m=8
